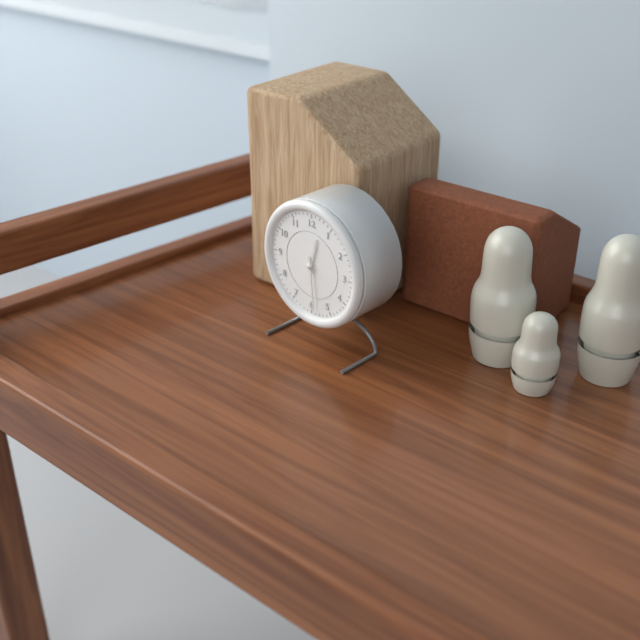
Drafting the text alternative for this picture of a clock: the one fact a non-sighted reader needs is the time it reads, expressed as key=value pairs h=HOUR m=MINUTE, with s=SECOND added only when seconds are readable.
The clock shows h=12 m=29
